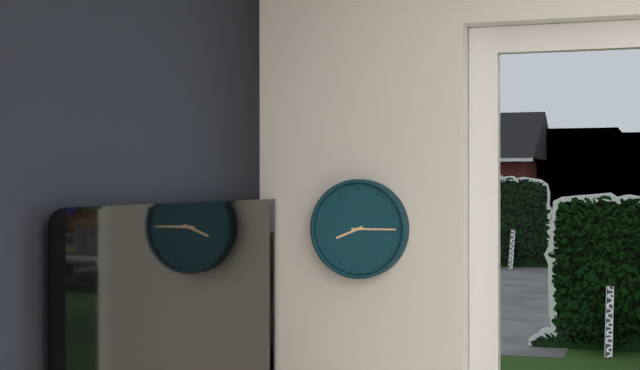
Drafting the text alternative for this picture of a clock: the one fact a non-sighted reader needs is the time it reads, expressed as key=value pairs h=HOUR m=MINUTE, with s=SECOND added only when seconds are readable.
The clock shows h=8 m=15
